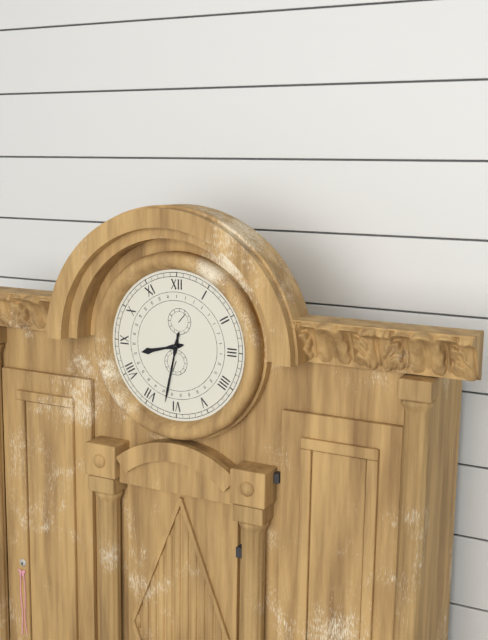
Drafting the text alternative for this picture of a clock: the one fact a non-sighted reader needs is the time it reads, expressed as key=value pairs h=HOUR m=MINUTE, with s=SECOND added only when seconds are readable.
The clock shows h=8 m=32
